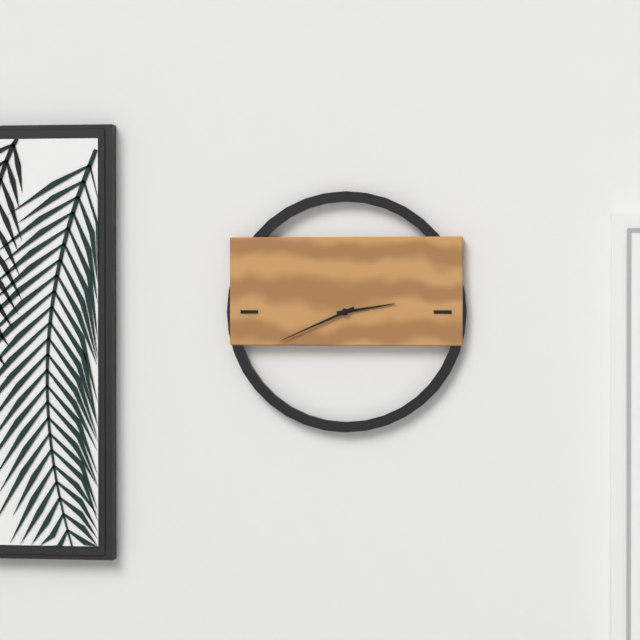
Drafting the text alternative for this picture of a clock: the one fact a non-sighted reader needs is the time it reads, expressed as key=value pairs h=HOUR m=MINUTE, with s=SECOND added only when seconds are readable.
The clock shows h=2 m=41
